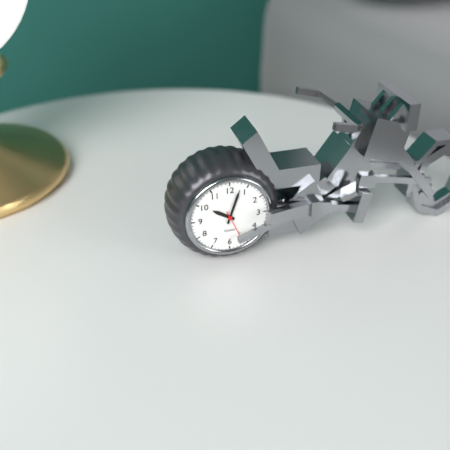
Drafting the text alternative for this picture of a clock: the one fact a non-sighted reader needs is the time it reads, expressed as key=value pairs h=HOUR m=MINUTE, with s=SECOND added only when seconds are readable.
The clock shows h=10 m=3
